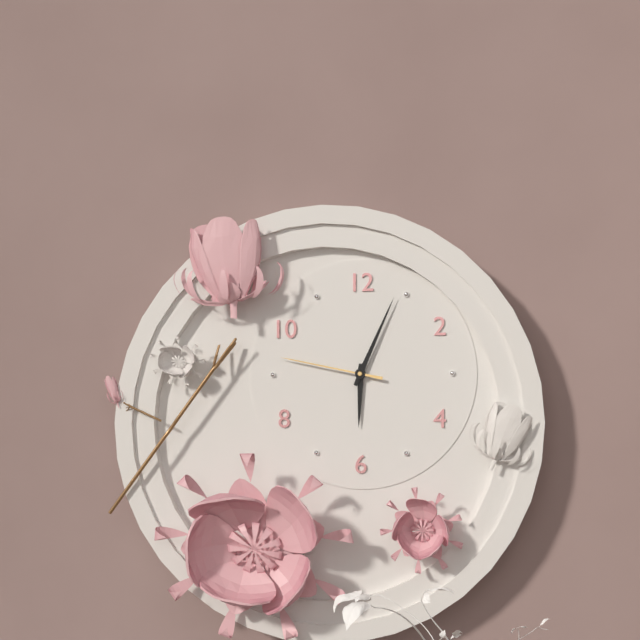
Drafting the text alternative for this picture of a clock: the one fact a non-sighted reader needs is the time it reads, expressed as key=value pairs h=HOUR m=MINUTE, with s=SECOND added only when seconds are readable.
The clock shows h=6 m=4 s=47
